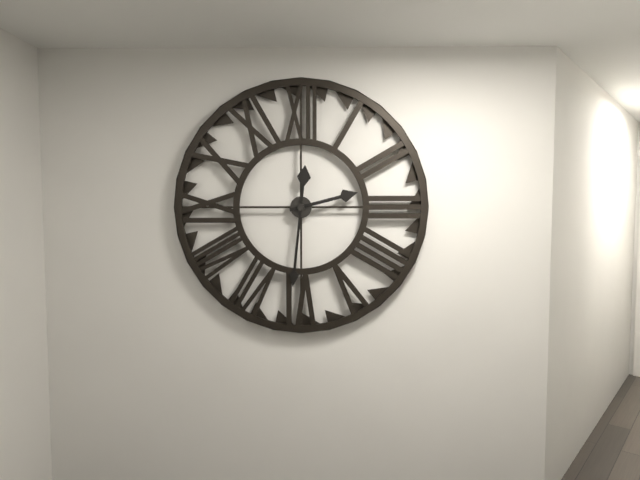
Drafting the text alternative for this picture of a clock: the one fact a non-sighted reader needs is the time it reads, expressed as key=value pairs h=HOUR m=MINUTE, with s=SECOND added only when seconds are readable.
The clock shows h=2 m=31
